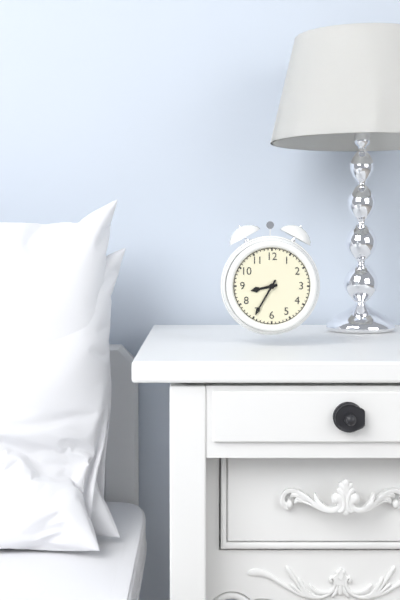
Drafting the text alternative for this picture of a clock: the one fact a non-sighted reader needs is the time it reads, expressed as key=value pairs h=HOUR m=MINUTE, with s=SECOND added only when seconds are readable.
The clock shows h=8 m=35
